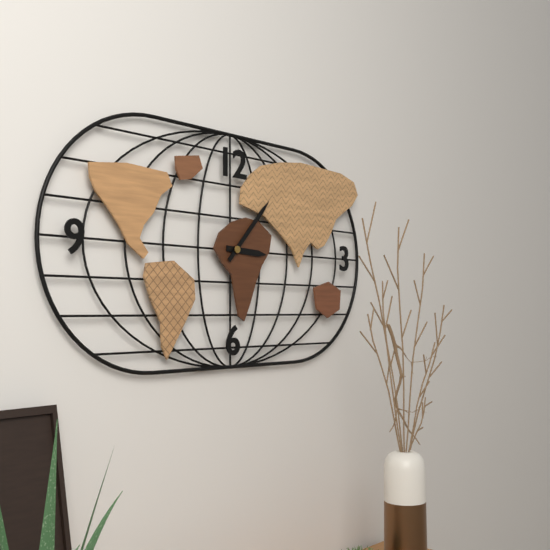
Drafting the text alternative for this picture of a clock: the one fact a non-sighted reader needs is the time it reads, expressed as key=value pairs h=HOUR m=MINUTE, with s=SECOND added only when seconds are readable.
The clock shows h=3 m=7
